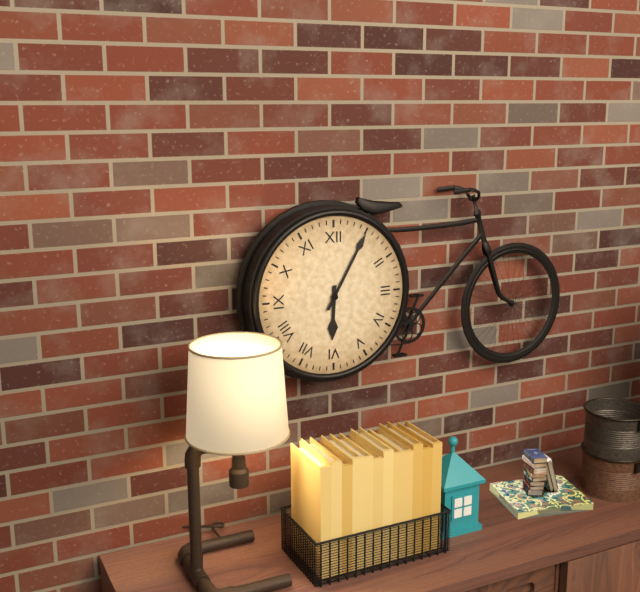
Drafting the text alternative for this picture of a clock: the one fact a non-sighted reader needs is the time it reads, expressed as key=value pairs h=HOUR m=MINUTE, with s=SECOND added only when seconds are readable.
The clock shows h=6 m=5
